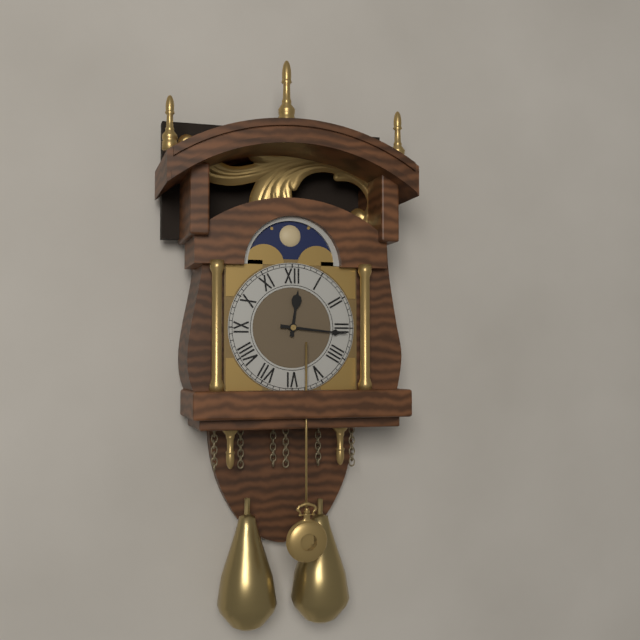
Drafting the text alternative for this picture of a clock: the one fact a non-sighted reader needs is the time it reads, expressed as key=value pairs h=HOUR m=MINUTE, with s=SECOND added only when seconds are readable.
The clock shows h=12 m=16
